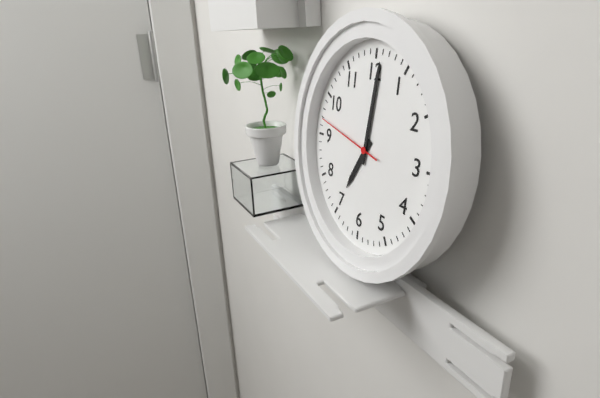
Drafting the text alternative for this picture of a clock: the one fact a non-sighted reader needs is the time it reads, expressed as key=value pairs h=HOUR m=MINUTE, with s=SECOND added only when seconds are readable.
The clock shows h=7 m=1 s=47
